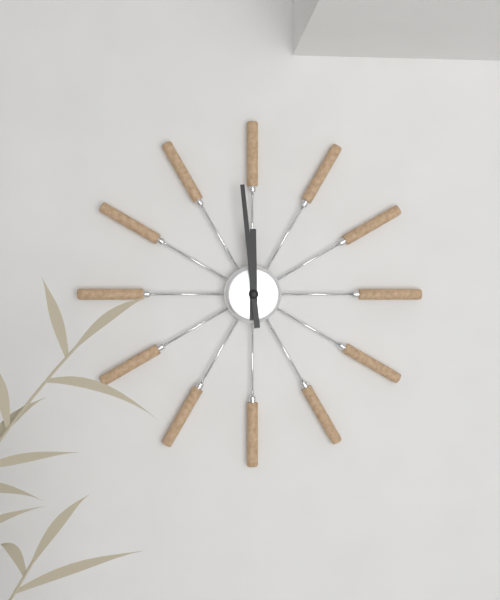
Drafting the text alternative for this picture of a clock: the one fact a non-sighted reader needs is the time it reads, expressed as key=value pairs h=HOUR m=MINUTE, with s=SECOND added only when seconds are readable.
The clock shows h=11 m=59
